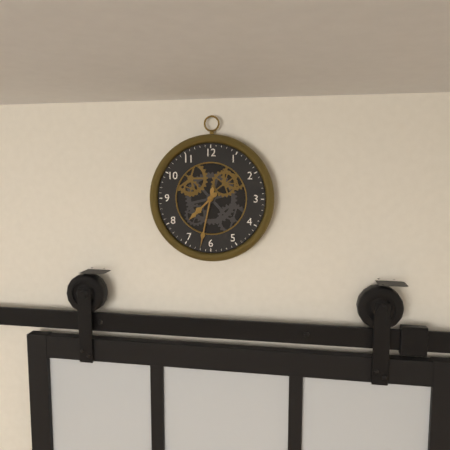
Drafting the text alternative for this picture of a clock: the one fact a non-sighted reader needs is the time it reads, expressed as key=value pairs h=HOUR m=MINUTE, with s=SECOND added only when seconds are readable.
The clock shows h=7 m=32
